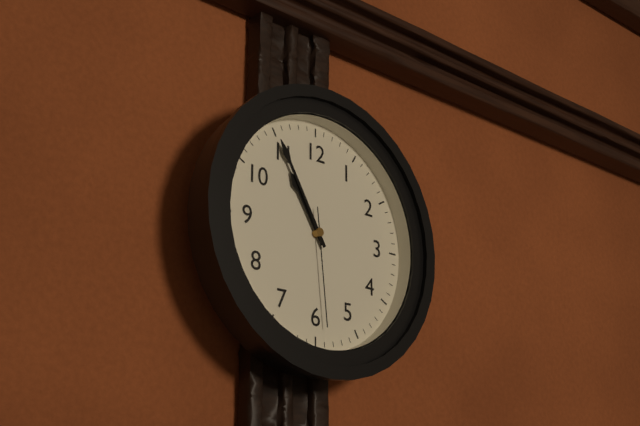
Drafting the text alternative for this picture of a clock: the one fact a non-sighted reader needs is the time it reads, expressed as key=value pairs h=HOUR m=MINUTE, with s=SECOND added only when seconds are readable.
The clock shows h=10 m=55 s=29
